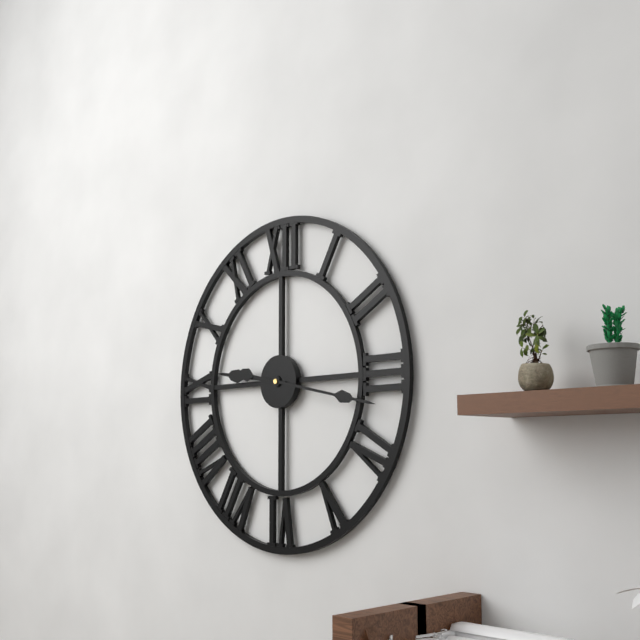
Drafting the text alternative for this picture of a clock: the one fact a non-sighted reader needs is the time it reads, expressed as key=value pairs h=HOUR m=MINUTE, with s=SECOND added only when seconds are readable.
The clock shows h=9 m=17
